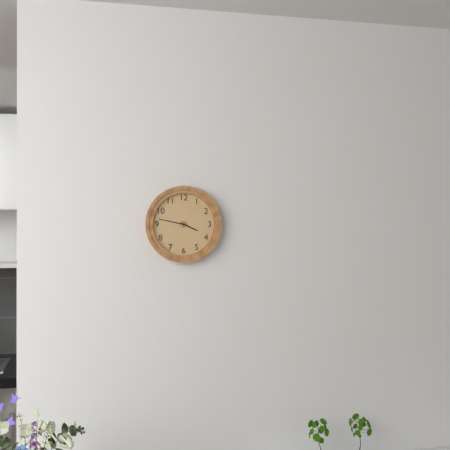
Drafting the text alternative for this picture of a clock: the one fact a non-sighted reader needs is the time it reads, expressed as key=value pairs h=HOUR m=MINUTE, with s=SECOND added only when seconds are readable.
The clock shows h=3 m=47
